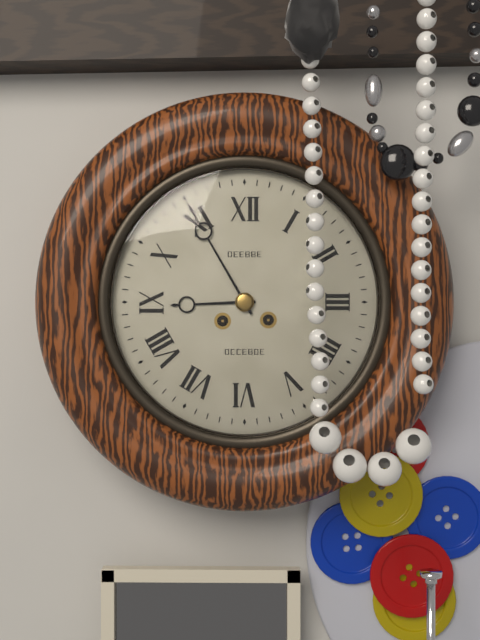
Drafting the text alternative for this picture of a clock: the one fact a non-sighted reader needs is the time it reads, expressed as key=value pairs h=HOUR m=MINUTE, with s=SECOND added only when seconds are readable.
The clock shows h=8 m=55
